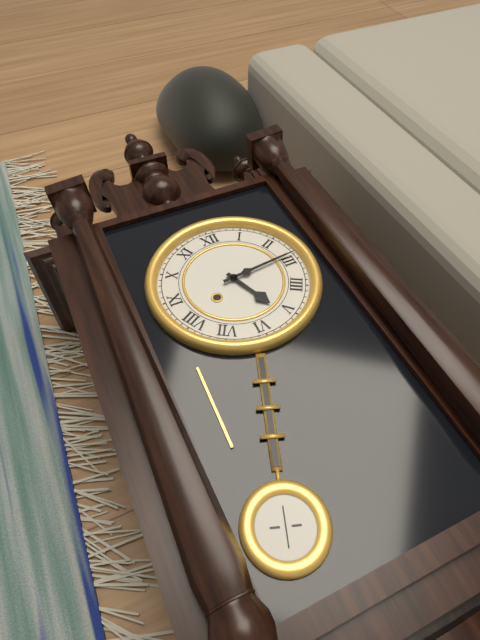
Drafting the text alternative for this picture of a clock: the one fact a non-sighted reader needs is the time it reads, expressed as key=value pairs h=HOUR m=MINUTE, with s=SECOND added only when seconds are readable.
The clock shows h=5 m=14
